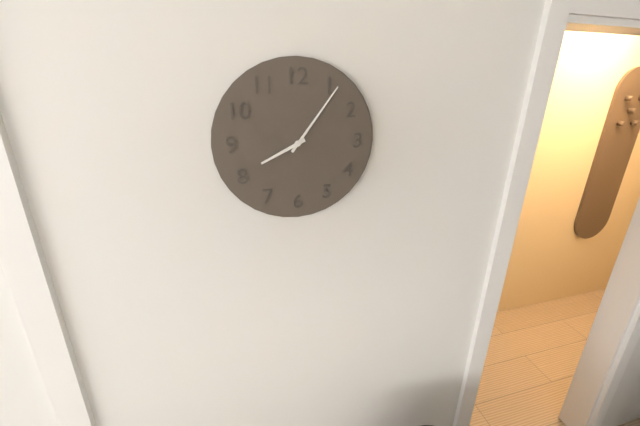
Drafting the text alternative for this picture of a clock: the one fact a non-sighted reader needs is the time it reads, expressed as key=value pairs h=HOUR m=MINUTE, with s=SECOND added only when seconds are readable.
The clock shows h=8 m=6
